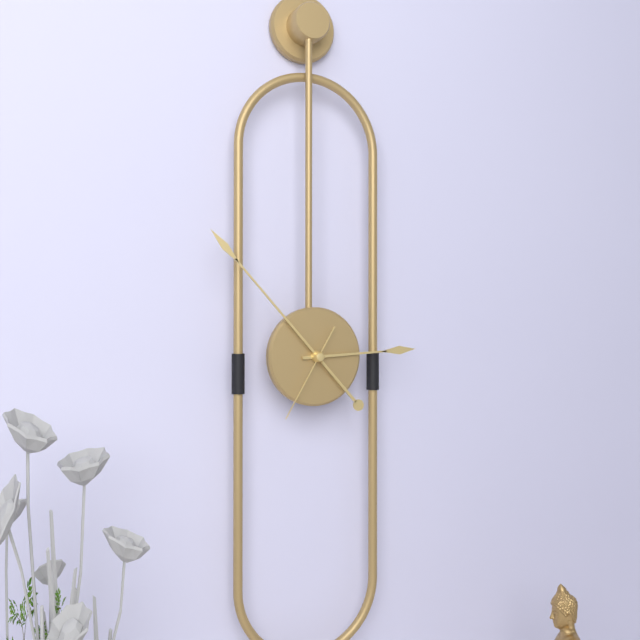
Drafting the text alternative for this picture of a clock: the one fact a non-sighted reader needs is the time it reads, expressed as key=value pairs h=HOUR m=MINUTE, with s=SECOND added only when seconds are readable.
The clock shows h=2 m=53 s=35
